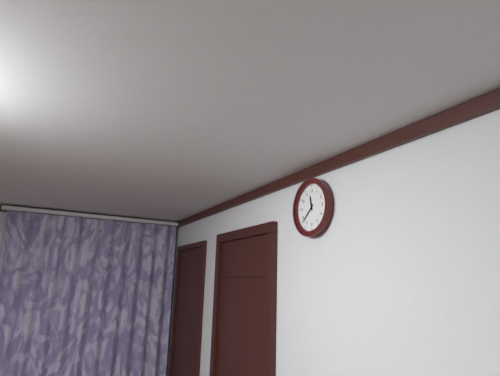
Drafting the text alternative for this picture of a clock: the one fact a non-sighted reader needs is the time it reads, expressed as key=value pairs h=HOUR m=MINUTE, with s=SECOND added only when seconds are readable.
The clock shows h=11 m=38
